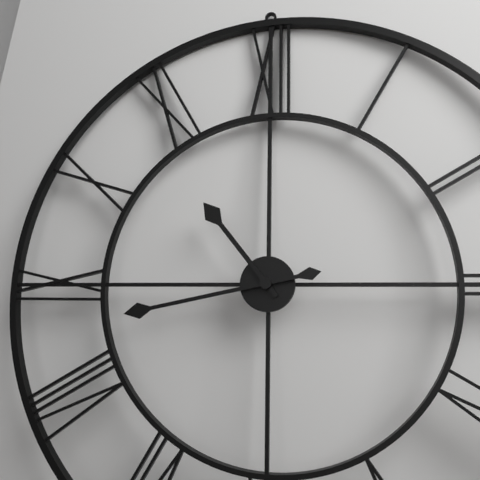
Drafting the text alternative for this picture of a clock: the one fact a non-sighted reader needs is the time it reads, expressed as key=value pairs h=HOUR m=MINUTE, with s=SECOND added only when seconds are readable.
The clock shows h=10 m=43
